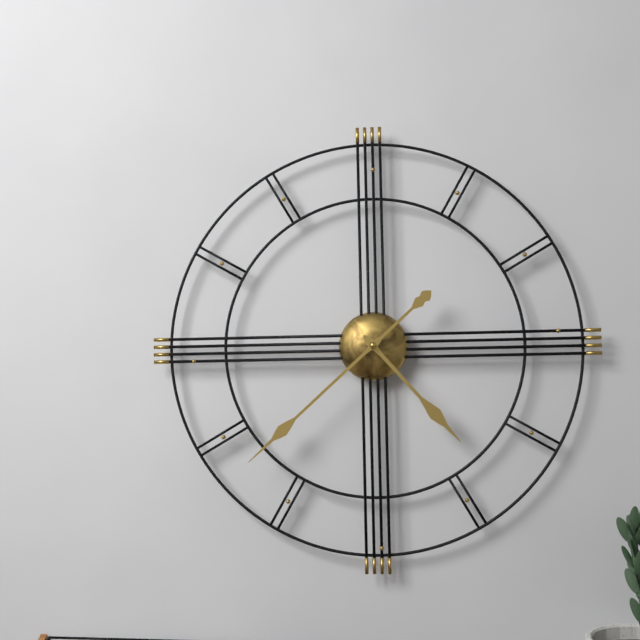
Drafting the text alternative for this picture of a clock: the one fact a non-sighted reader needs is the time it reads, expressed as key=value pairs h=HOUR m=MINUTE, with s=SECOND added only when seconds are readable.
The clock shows h=4 m=38
